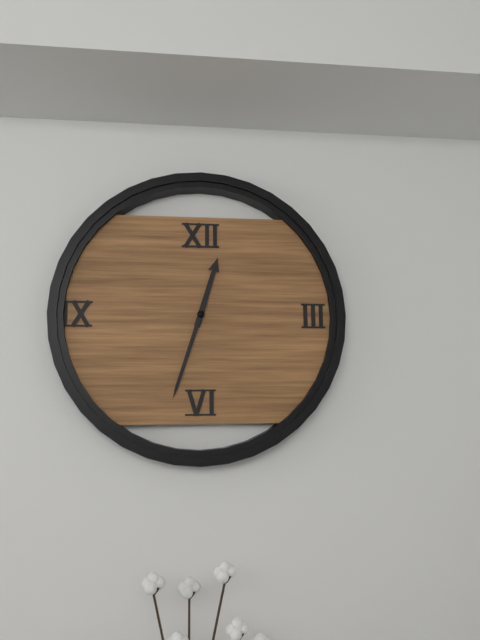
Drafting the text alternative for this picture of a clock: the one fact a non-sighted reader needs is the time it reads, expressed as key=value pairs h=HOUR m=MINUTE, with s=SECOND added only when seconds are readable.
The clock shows h=12 m=33
